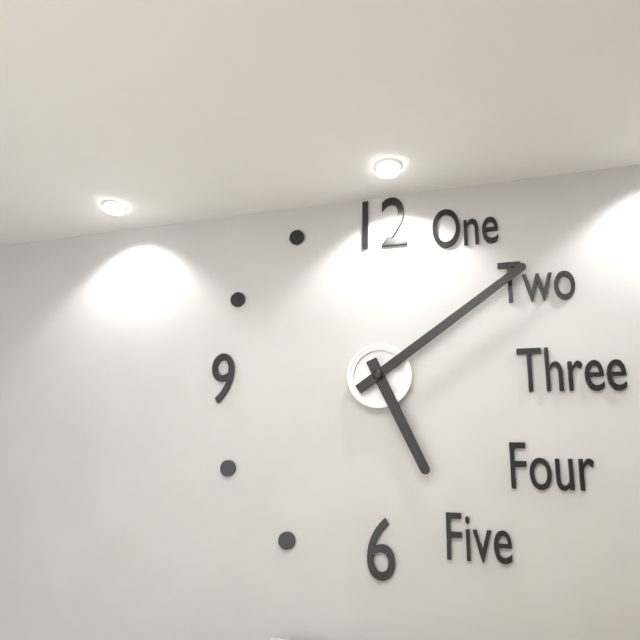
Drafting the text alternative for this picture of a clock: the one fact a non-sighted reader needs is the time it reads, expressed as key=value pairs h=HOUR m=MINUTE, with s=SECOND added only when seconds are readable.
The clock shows h=5 m=9
